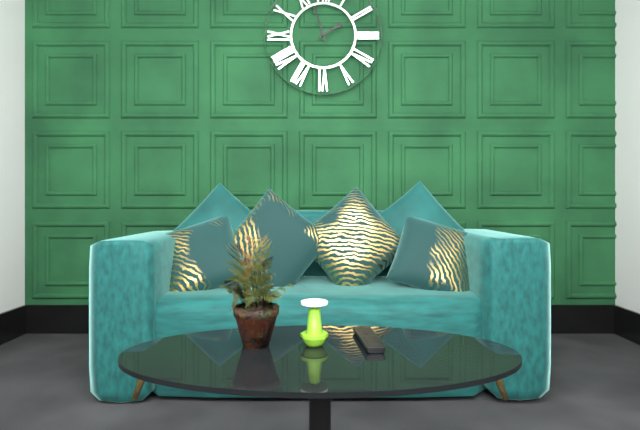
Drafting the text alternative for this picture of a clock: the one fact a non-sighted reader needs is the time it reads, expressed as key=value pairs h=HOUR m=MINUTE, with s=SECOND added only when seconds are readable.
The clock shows h=1 m=57
